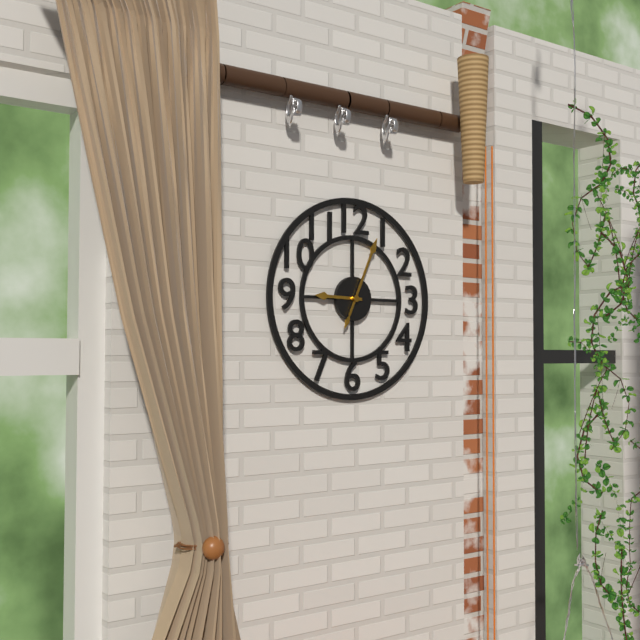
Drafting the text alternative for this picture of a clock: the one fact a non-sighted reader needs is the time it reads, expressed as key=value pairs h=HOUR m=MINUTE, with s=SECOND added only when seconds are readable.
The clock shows h=9 m=4
